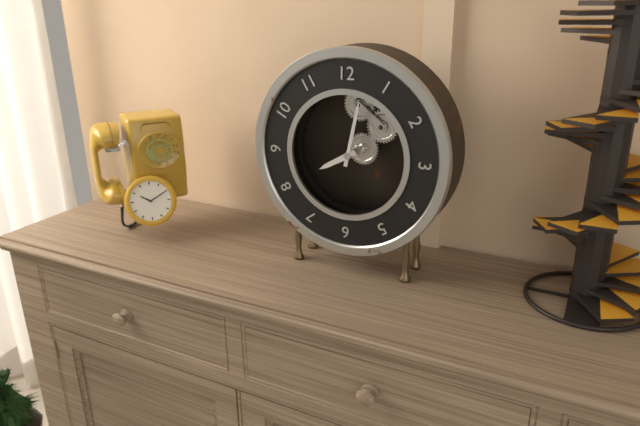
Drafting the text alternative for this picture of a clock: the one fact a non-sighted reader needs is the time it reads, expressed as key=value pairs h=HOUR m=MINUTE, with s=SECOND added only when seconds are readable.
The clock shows h=8 m=2
